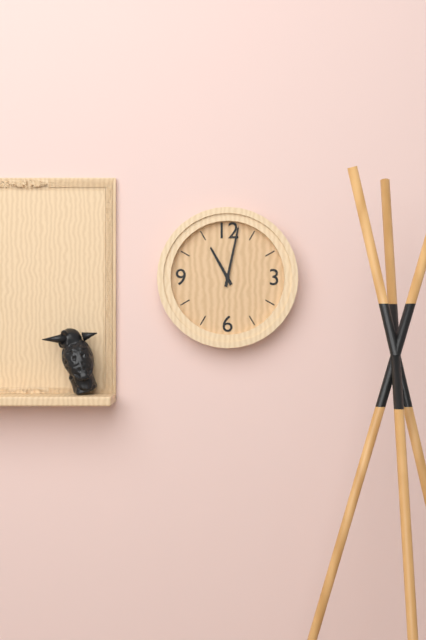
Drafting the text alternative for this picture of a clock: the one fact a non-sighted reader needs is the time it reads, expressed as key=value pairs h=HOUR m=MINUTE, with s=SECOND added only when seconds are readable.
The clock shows h=11 m=2
